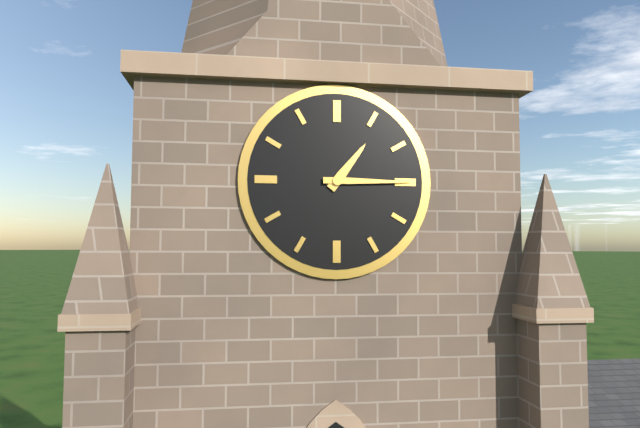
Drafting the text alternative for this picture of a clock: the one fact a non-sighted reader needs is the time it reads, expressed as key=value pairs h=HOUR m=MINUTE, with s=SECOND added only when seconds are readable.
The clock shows h=1 m=15
